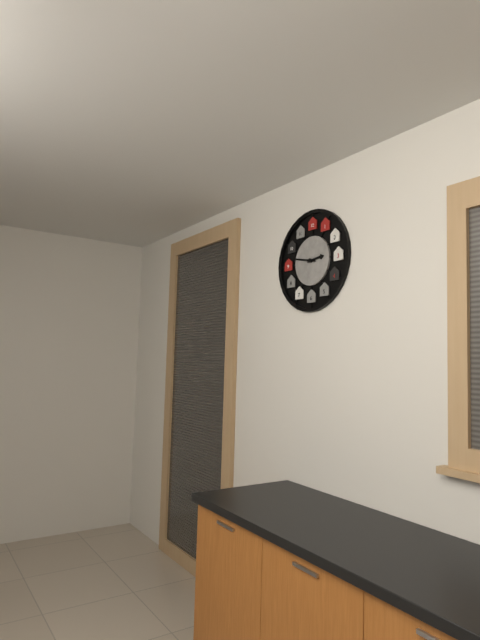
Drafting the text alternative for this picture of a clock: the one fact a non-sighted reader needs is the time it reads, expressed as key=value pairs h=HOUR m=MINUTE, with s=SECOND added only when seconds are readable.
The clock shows h=2 m=47
